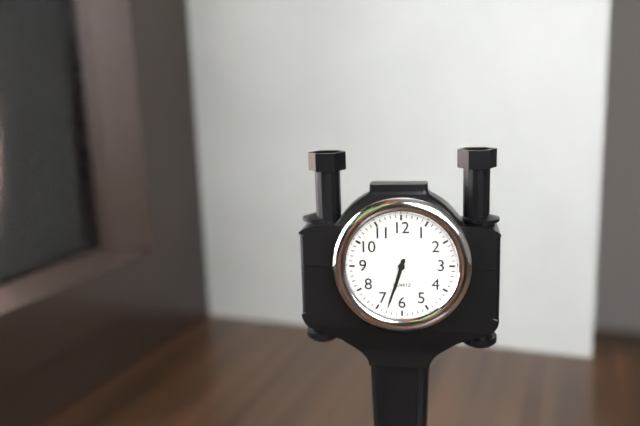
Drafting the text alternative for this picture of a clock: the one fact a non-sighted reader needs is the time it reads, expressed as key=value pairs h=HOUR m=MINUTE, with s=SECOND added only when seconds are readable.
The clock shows h=6 m=33
